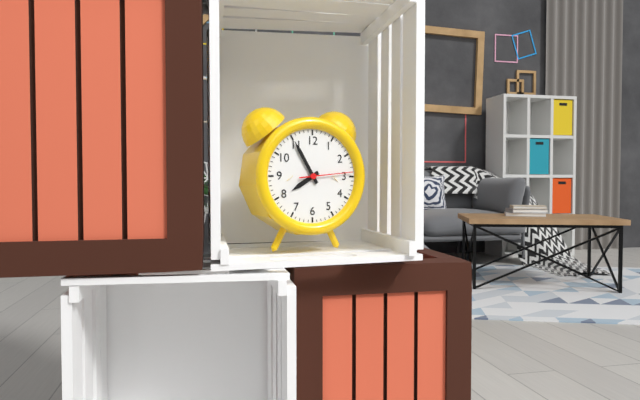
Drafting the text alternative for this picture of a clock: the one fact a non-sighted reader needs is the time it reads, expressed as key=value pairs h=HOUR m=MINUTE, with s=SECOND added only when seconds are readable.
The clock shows h=7 m=55
